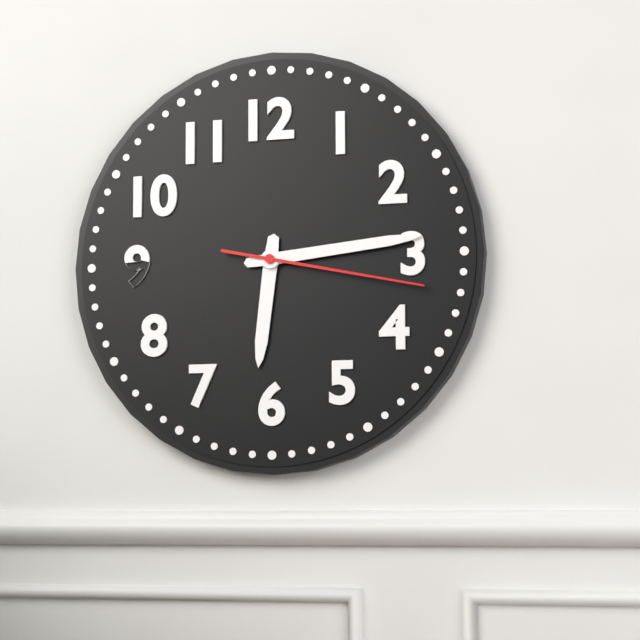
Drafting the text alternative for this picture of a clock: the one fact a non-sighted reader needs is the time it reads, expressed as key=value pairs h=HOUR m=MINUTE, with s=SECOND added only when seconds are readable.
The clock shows h=6 m=14 s=17
